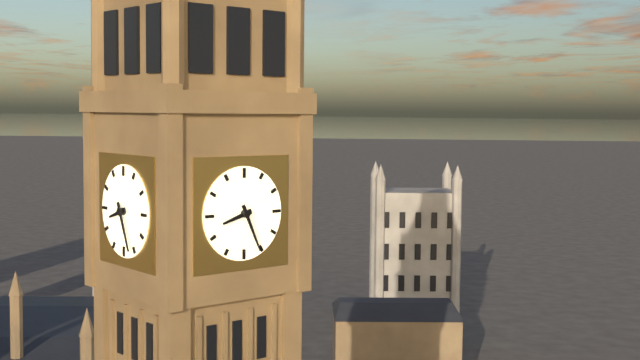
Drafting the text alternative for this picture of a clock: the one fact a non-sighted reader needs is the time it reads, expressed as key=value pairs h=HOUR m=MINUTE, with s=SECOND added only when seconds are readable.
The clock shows h=8 m=26
